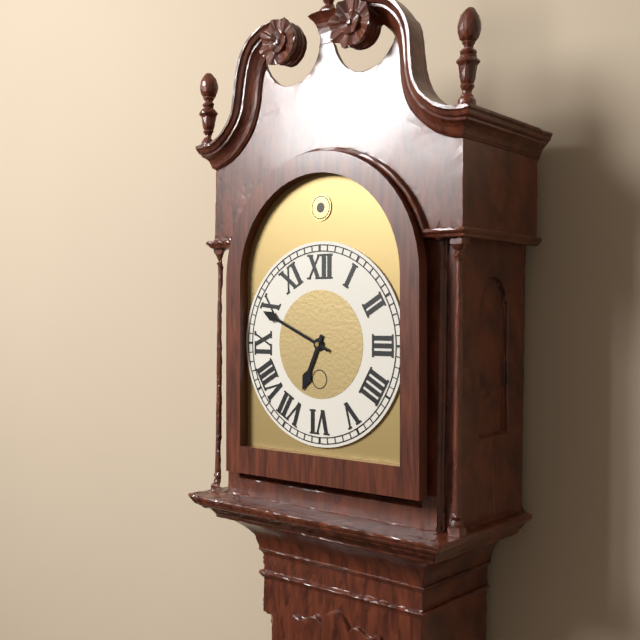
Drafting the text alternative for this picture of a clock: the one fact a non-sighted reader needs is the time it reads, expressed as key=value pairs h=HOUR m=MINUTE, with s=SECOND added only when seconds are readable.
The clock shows h=6 m=49
